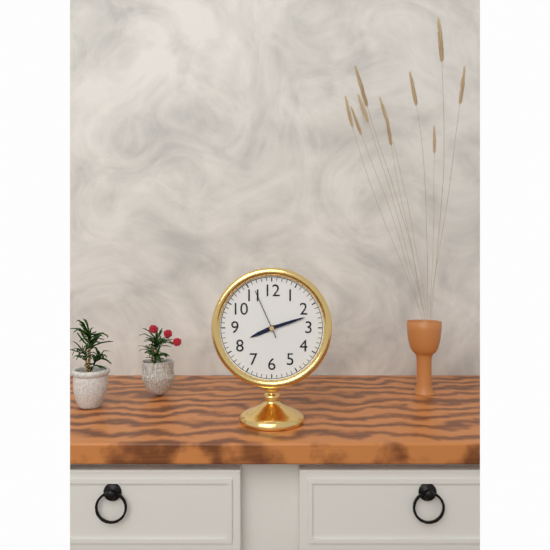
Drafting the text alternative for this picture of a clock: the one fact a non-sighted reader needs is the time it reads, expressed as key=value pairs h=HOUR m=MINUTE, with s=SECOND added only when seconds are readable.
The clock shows h=8 m=12 s=56
